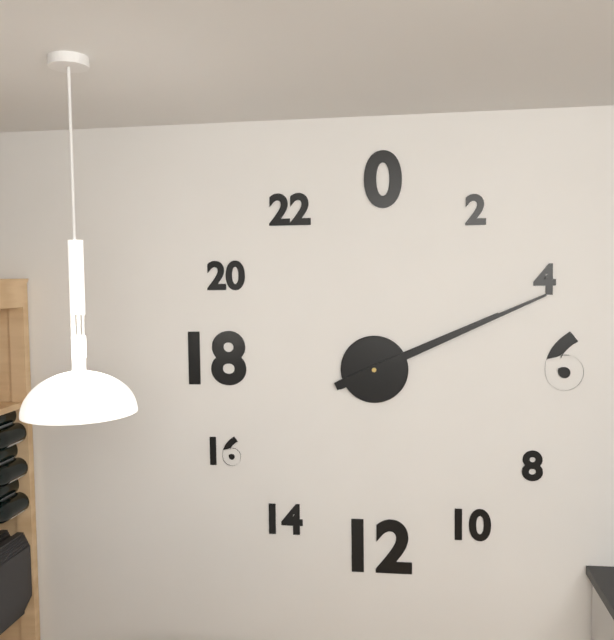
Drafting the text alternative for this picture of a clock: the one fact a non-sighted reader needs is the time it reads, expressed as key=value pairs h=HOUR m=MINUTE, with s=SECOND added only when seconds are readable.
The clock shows h=2 m=11
